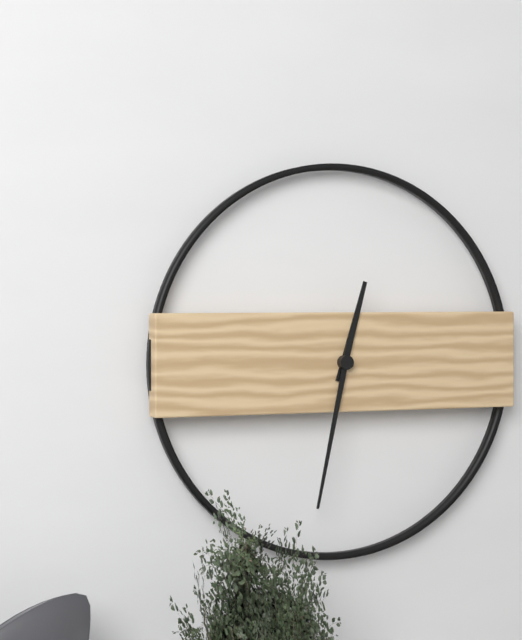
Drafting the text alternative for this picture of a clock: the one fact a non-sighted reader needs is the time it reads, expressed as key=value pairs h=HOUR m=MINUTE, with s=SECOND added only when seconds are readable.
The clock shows h=12 m=32
